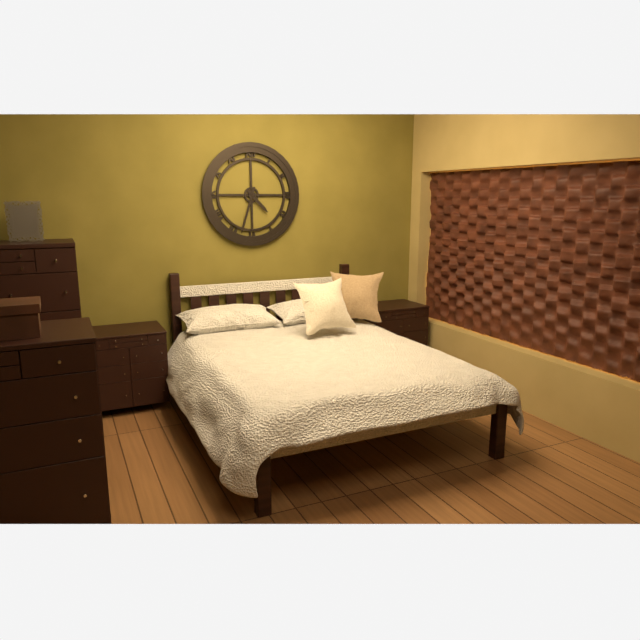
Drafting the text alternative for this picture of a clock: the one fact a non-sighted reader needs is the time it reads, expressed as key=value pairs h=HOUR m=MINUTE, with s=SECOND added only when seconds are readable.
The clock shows h=4 m=33
